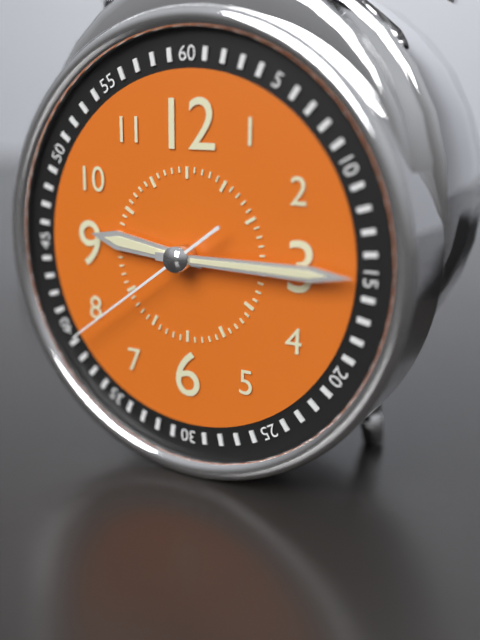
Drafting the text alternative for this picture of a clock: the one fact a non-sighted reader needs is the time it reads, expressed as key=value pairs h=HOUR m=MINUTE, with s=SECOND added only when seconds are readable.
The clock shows h=9 m=15 s=39
